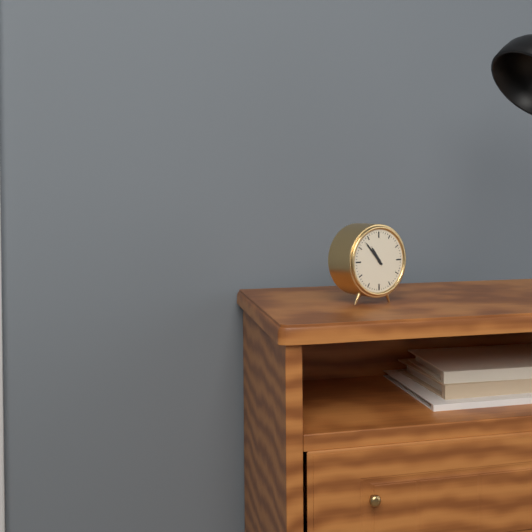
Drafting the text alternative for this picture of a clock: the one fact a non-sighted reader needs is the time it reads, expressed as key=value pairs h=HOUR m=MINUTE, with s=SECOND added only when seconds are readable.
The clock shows h=10 m=53
